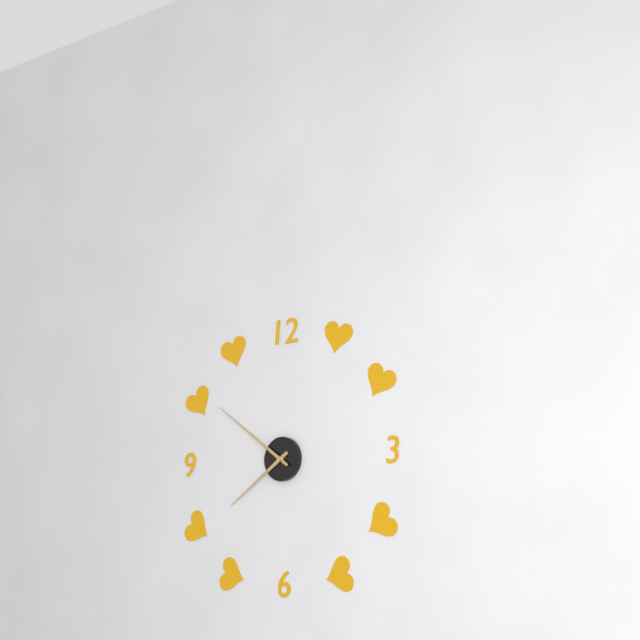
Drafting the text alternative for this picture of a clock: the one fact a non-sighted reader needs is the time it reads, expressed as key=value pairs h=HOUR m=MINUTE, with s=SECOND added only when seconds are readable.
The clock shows h=7 m=51
